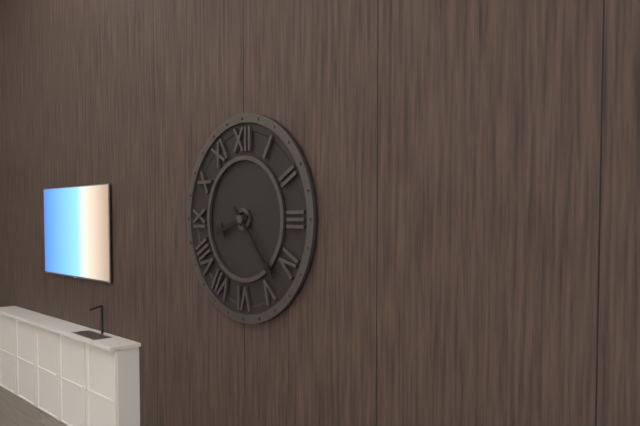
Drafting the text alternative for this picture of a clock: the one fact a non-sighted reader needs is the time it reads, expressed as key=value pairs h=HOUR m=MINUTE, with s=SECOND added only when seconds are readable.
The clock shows h=8 m=23
